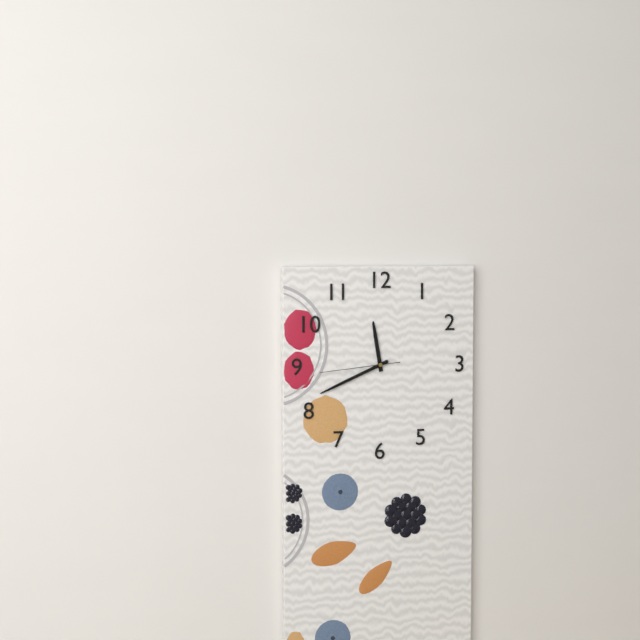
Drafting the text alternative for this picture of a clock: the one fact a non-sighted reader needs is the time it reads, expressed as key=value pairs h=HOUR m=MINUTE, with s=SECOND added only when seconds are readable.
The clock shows h=11 m=41 s=44
